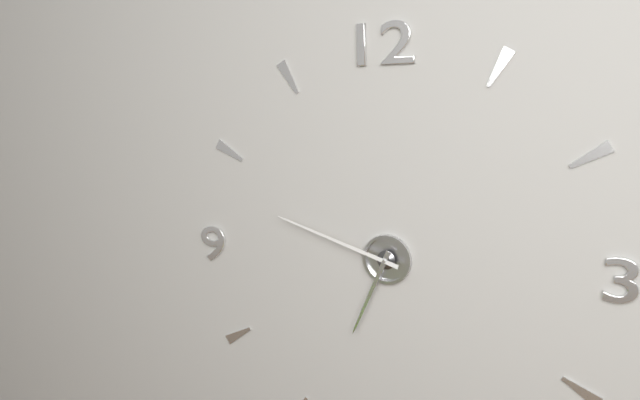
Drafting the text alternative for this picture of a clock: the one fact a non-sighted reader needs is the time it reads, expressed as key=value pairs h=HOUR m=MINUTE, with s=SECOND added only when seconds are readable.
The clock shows h=6 m=48
